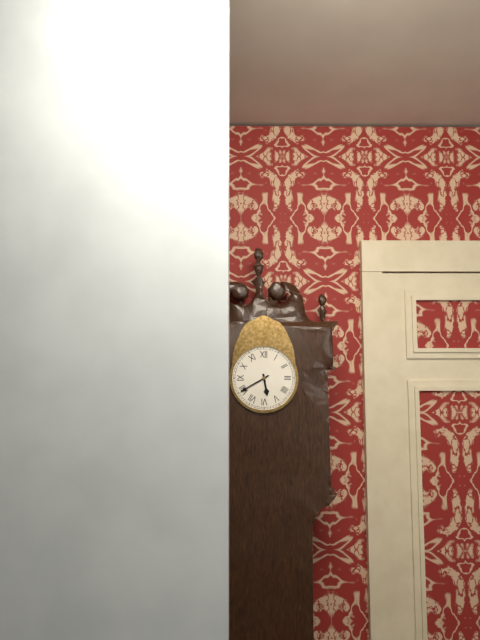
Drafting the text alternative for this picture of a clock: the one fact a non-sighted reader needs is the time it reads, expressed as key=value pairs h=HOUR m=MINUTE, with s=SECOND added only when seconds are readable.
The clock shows h=5 m=40
